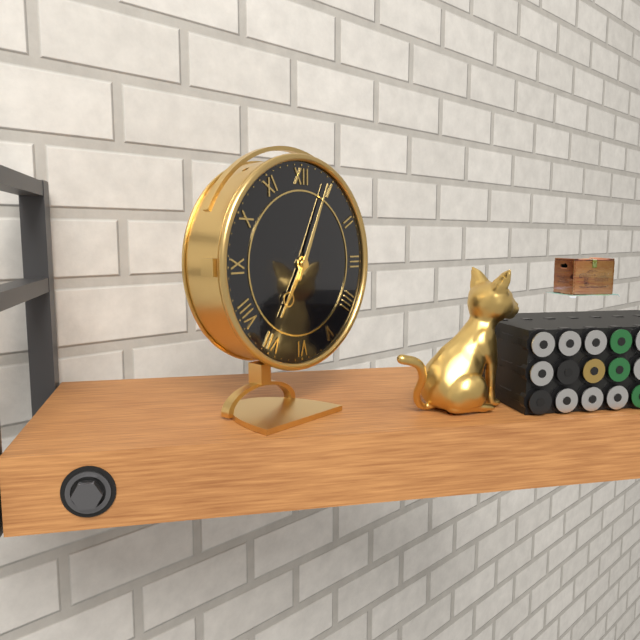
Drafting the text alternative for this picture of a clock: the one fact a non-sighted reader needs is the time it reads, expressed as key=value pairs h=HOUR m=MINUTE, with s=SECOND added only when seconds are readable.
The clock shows h=7 m=4
